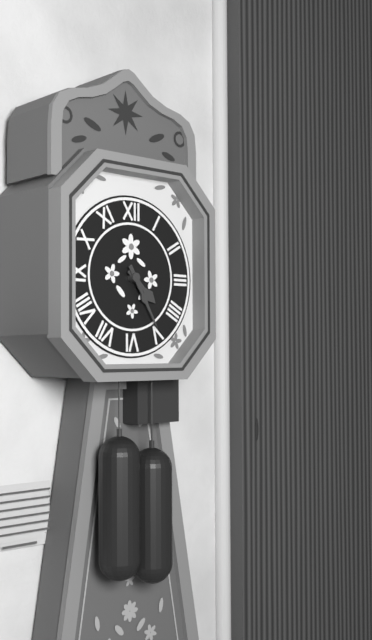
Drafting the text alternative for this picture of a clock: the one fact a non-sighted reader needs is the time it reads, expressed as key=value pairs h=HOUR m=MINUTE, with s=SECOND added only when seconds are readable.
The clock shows h=4 m=25
